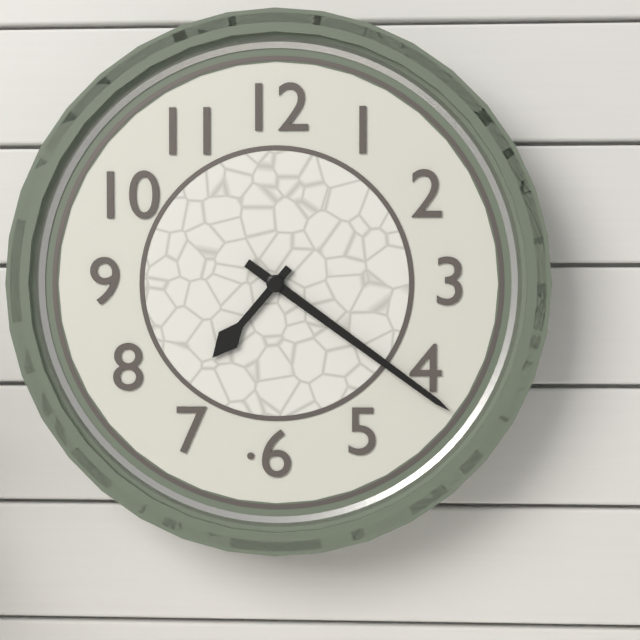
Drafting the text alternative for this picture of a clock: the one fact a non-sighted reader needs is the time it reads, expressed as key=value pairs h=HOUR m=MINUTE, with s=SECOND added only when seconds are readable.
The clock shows h=7 m=21
